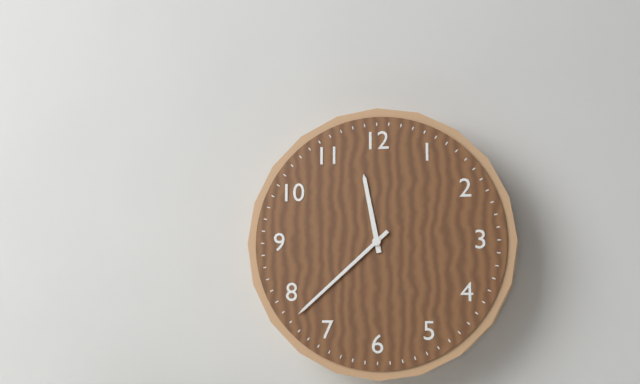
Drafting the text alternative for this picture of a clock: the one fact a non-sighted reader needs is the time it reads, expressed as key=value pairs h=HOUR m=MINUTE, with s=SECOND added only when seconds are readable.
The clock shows h=11 m=38
